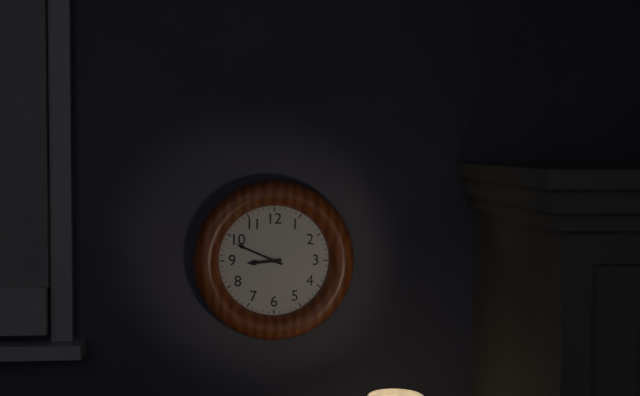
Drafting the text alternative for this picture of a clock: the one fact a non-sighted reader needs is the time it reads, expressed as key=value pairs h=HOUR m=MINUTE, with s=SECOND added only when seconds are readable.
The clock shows h=8 m=49
